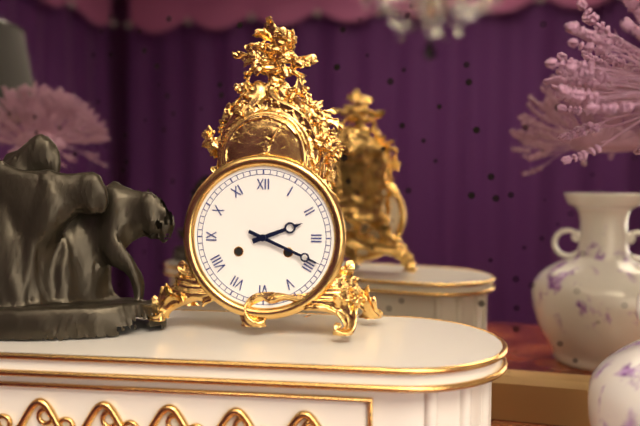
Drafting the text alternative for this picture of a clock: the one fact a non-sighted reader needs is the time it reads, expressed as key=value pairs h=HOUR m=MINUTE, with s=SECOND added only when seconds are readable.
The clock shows h=2 m=19
